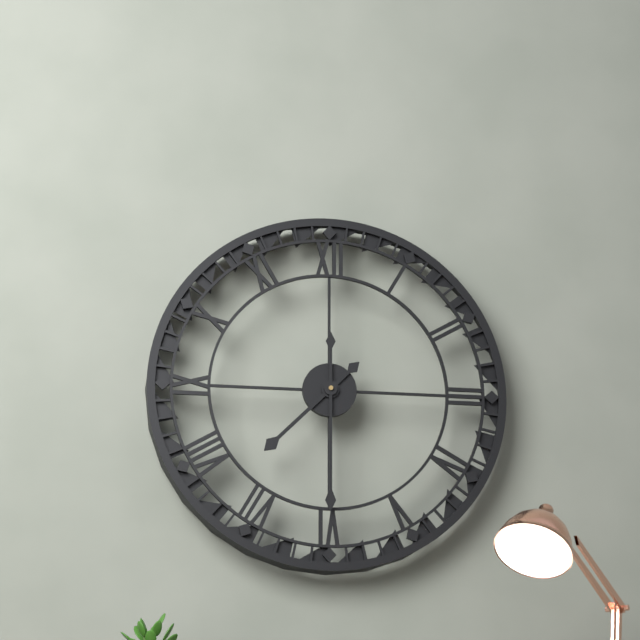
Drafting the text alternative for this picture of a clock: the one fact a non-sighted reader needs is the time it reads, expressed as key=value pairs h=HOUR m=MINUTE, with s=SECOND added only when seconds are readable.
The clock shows h=7 m=30
